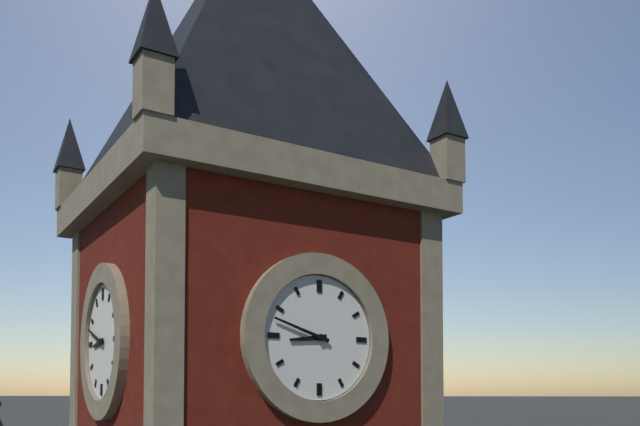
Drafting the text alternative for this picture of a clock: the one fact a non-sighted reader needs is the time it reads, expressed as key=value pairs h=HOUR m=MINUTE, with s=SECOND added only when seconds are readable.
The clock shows h=8 m=48
